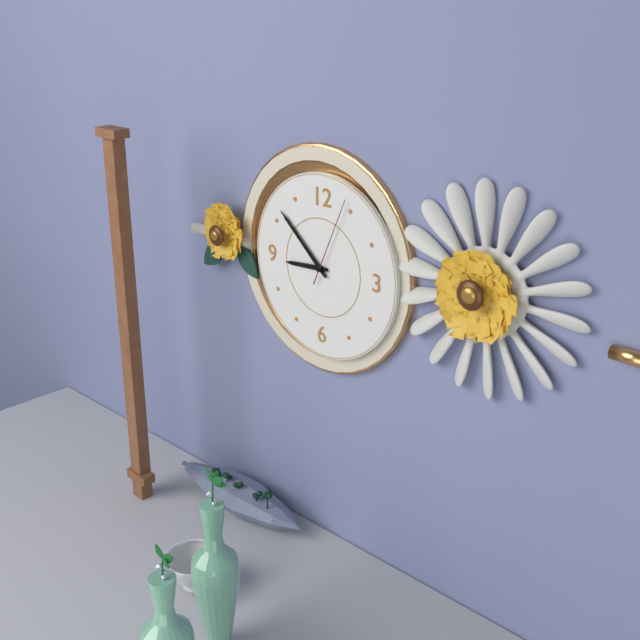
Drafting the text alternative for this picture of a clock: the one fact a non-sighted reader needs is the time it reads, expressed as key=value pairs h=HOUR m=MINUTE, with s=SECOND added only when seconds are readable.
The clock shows h=8 m=52 s=4
